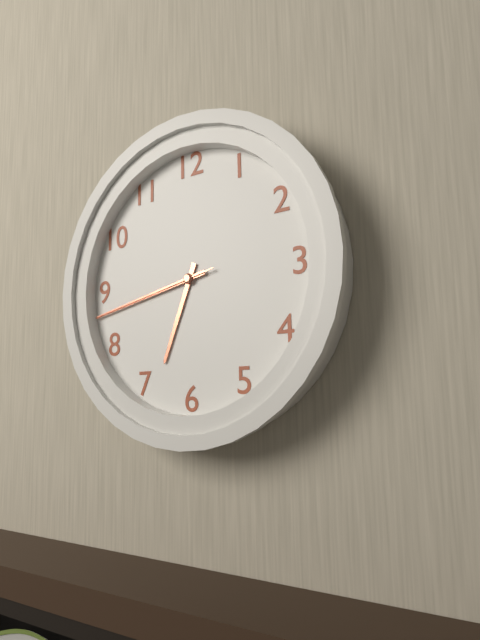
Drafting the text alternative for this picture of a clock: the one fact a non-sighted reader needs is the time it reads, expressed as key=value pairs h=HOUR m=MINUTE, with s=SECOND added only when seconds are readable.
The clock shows h=6 m=43 s=43
